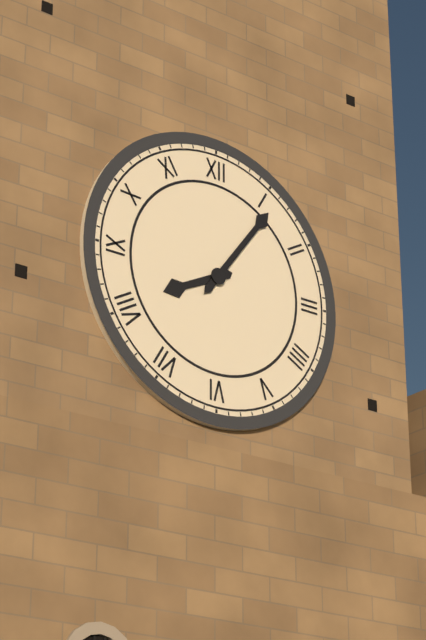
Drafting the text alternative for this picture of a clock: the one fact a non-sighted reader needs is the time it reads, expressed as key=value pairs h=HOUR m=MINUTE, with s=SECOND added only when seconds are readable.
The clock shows h=8 m=6
